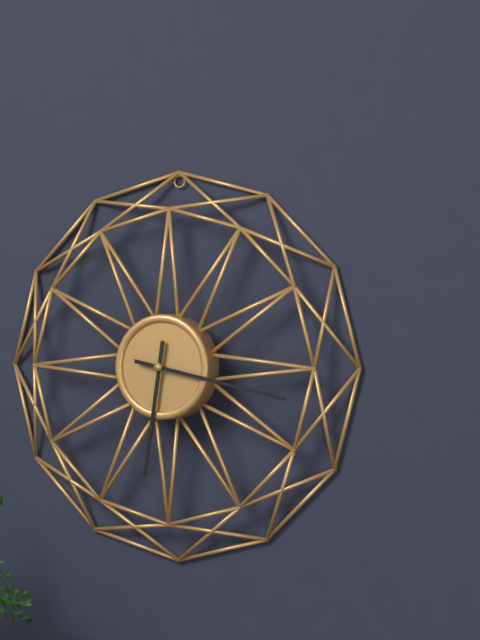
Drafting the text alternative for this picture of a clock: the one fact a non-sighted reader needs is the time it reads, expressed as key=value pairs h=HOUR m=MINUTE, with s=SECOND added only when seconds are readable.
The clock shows h=6 m=17
